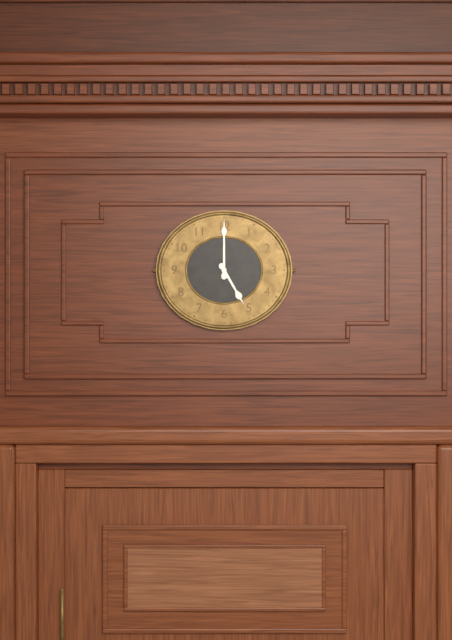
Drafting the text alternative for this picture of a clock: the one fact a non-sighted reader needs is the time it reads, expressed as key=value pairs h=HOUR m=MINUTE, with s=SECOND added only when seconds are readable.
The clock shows h=5 m=0
